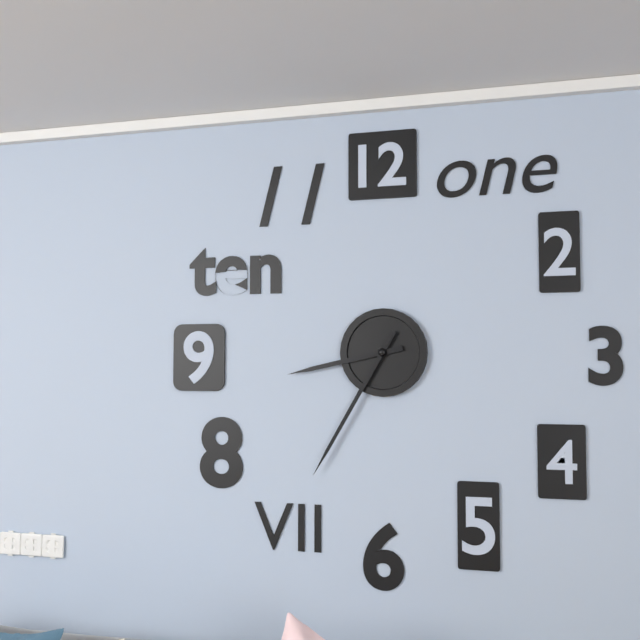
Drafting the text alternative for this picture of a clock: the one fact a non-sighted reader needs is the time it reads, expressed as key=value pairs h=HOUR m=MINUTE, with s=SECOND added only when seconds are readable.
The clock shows h=8 m=35
